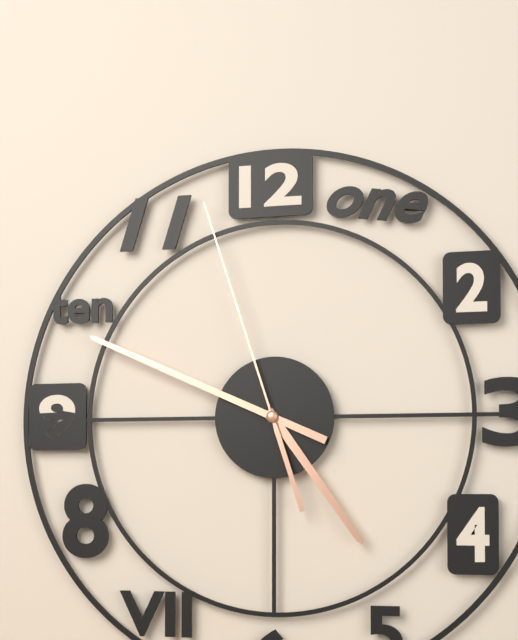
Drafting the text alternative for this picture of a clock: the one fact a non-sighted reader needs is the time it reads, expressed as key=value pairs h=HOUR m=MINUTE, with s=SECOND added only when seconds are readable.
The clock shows h=4 m=49 s=57
